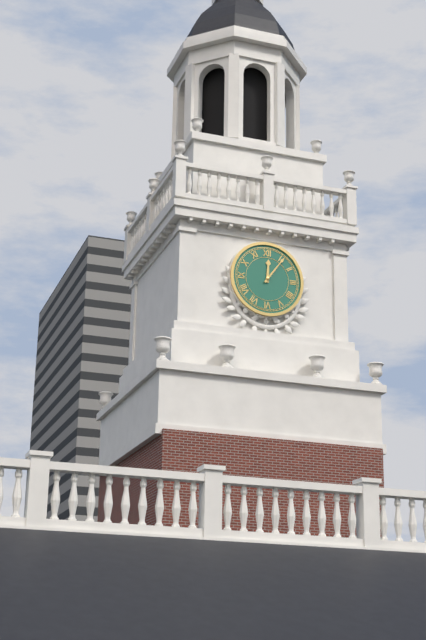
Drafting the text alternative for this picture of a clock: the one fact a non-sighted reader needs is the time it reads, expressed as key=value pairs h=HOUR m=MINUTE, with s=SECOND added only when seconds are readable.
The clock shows h=12 m=6
